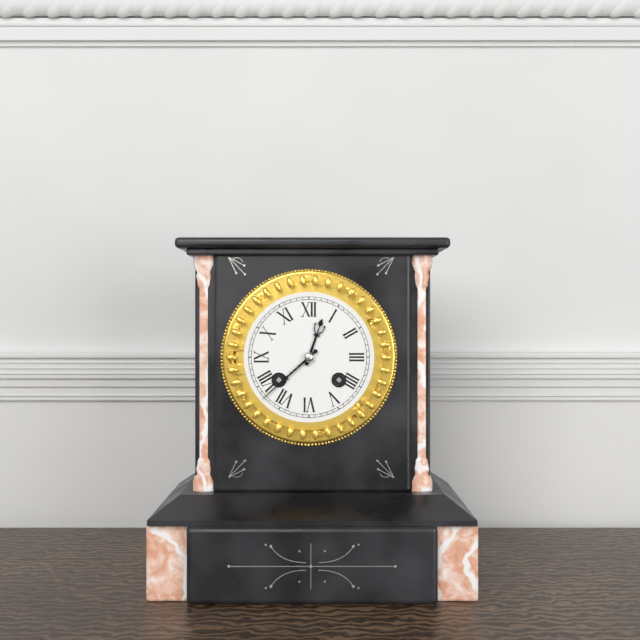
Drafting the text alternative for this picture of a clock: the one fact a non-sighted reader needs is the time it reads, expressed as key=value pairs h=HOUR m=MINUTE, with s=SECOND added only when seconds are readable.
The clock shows h=12 m=38
